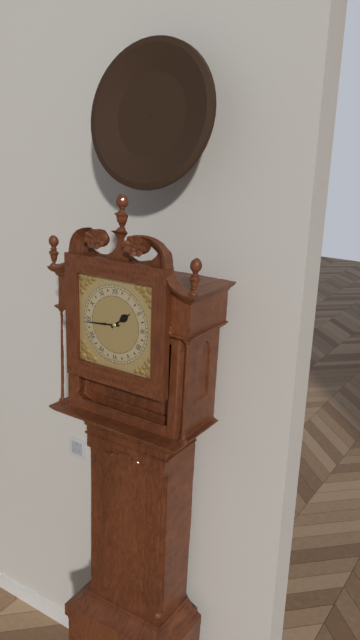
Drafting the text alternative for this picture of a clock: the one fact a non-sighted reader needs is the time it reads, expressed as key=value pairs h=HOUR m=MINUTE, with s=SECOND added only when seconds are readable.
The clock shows h=1 m=44
